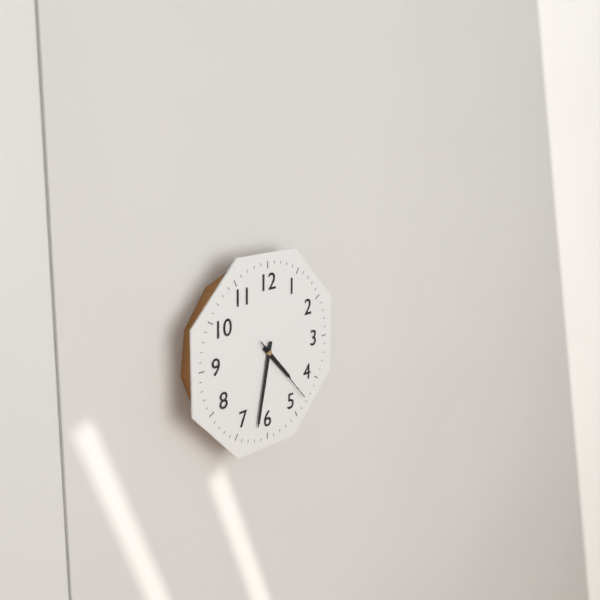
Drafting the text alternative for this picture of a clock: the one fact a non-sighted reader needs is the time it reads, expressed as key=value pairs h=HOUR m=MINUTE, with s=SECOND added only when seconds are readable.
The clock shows h=4 m=32 s=23
